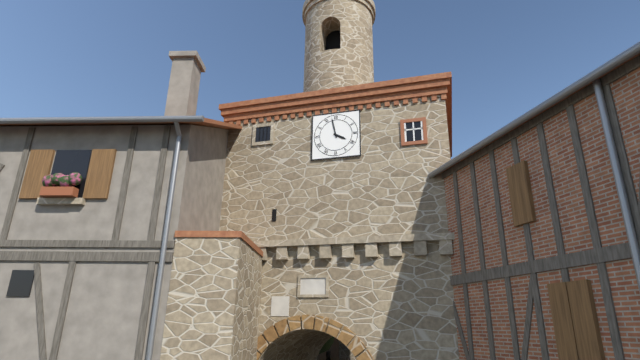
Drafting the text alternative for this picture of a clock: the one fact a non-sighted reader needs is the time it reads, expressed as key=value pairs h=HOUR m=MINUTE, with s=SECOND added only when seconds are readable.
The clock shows h=3 m=58
